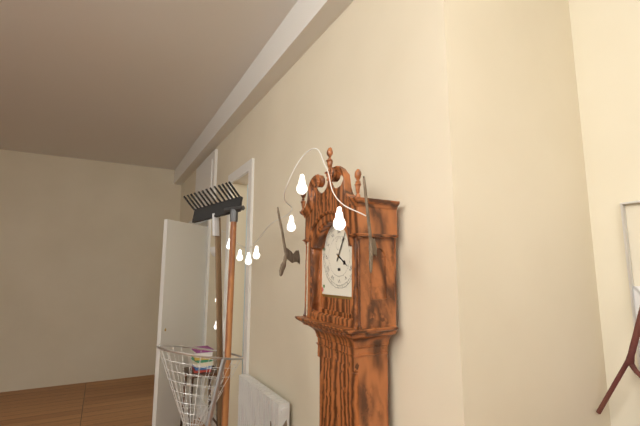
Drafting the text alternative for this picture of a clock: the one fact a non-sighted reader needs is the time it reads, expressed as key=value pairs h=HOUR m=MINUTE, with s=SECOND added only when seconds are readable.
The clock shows h=4 m=5
